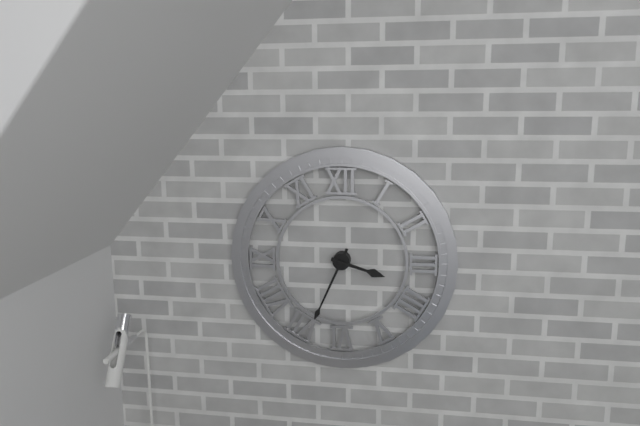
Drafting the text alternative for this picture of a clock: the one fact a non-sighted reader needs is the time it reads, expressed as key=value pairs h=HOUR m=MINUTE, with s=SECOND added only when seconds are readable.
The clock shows h=3 m=34
